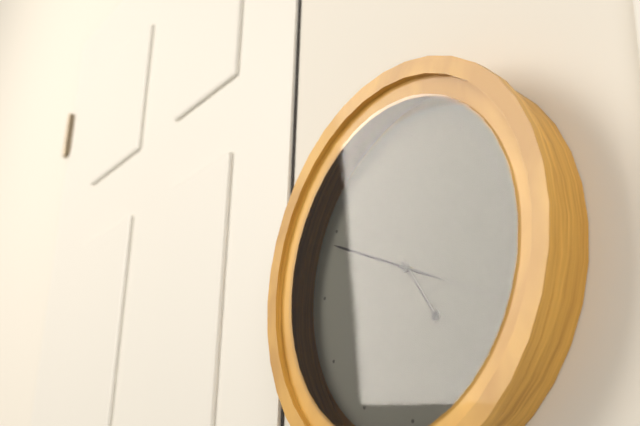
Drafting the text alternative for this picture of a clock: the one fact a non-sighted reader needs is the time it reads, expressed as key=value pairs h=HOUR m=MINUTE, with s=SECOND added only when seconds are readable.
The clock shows h=4 m=49 s=19
